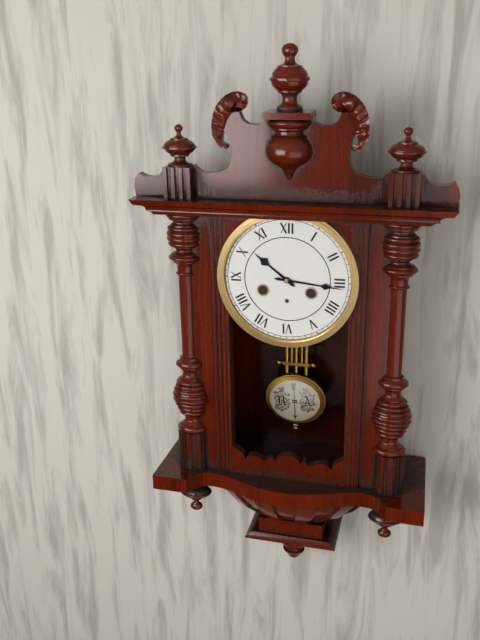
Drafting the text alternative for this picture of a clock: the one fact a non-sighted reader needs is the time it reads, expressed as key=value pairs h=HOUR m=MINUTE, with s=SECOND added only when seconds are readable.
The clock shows h=10 m=16
